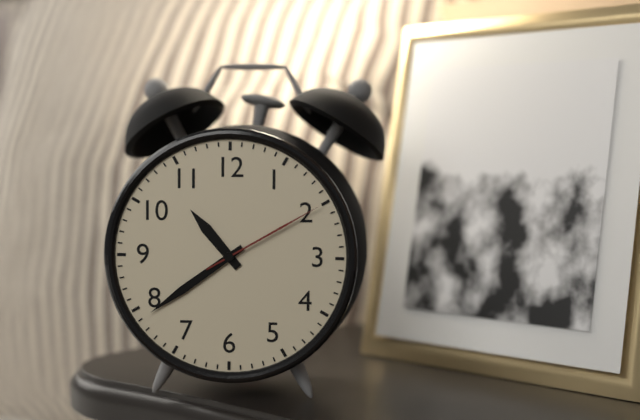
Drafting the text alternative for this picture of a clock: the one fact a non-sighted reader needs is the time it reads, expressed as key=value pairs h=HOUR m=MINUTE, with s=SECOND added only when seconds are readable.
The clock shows h=10 m=39 s=10
